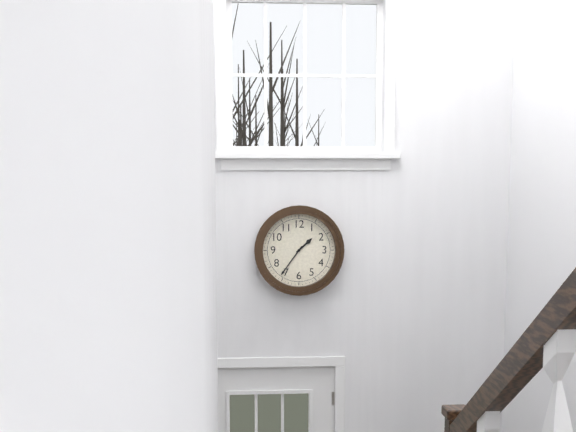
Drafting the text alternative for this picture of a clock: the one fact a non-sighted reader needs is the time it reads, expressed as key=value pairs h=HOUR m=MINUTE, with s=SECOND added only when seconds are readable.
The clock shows h=1 m=36
